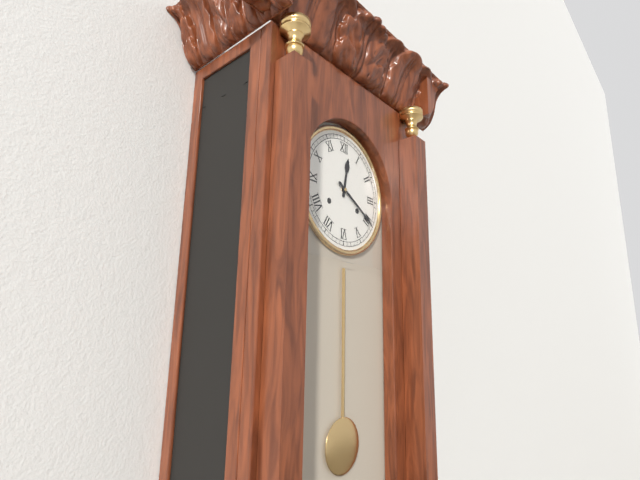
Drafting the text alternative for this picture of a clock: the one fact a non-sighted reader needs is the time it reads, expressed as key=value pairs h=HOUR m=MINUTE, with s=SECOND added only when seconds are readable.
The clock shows h=12 m=20
